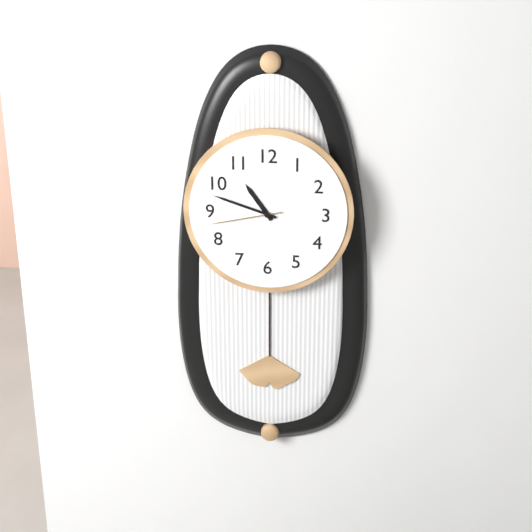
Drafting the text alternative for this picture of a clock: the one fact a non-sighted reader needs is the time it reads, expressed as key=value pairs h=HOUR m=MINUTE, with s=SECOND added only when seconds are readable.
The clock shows h=10 m=48 s=43
